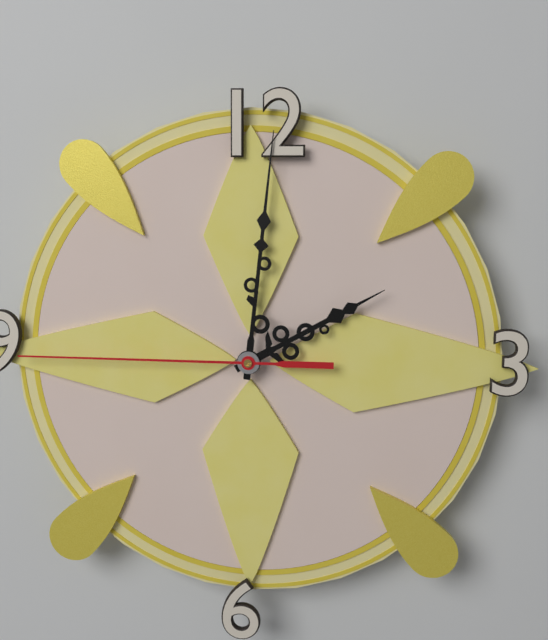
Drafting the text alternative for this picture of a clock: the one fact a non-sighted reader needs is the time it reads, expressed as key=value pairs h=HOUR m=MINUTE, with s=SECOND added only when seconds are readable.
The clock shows h=2 m=1 s=45
